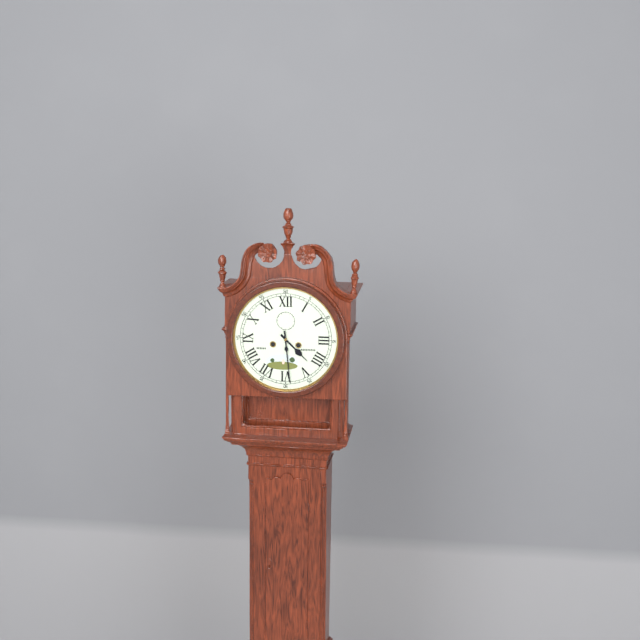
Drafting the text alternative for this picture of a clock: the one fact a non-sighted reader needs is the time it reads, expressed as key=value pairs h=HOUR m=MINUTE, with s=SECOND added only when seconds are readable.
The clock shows h=4 m=29
